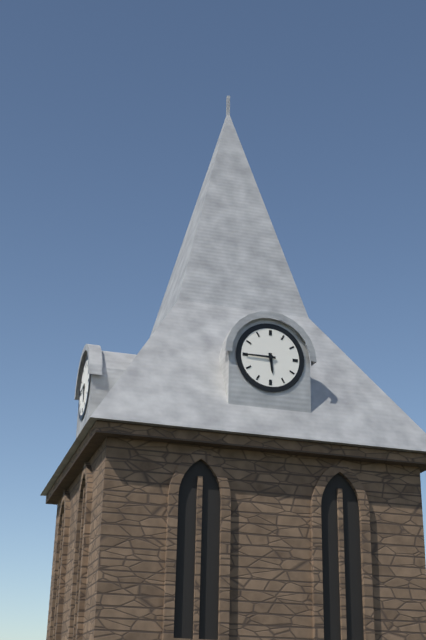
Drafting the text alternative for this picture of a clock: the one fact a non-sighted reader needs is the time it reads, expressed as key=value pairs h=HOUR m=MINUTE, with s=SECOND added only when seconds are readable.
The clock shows h=5 m=45
